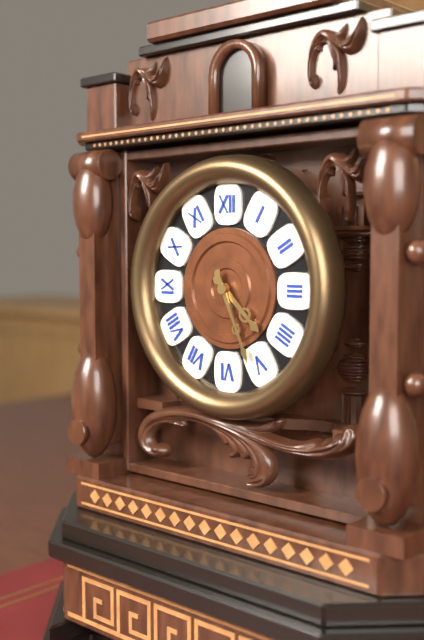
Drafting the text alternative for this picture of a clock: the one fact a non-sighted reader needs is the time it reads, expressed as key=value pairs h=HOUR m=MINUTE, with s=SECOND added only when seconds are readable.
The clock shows h=4 m=26
